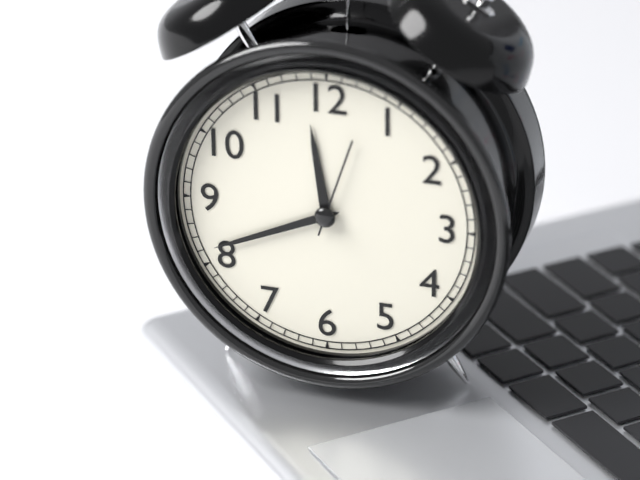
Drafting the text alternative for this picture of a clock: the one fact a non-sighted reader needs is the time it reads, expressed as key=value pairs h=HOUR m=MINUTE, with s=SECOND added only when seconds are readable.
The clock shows h=11 m=41 s=3
